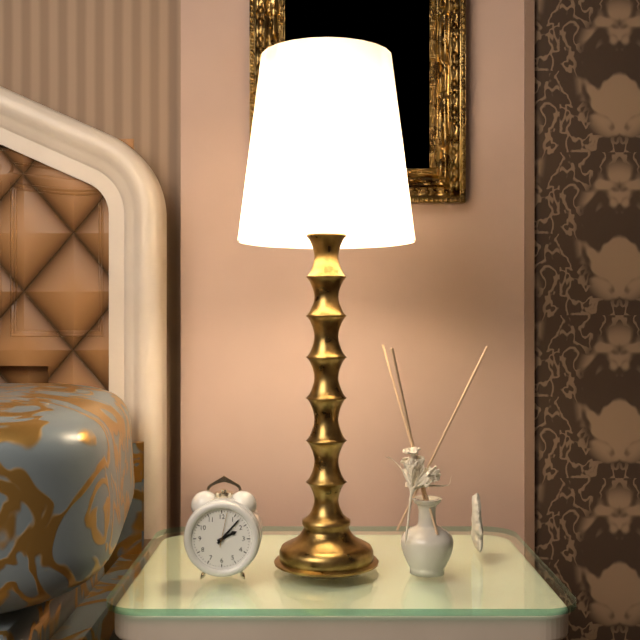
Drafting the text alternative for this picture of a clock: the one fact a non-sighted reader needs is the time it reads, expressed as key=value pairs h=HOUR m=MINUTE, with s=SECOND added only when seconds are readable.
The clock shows h=2 m=7
